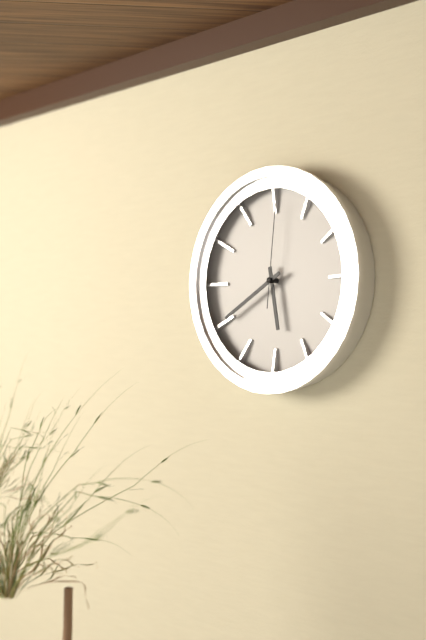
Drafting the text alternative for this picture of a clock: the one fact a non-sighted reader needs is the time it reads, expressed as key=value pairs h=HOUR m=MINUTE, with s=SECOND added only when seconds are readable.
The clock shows h=5 m=40 s=1
